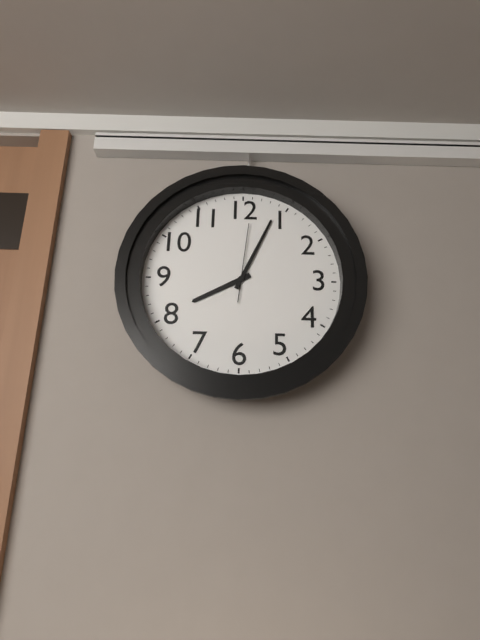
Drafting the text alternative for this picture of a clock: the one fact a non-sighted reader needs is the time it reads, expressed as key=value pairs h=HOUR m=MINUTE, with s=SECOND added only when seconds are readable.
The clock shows h=8 m=4 s=1
